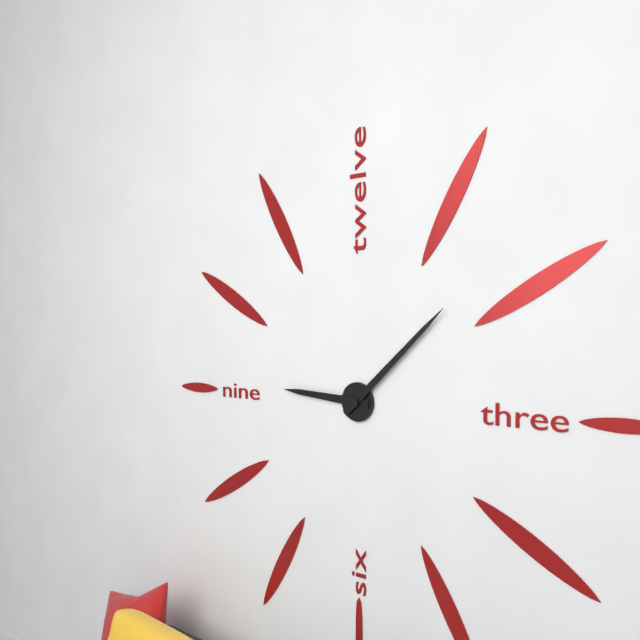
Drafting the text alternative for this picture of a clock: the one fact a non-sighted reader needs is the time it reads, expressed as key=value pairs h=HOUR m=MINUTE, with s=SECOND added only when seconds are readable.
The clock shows h=9 m=8
